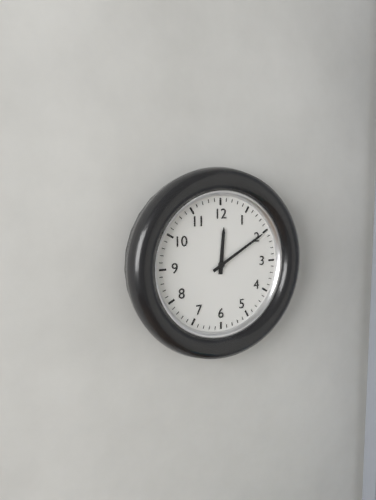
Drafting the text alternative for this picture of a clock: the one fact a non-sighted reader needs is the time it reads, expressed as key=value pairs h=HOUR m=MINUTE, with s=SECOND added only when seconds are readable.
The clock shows h=12 m=10
